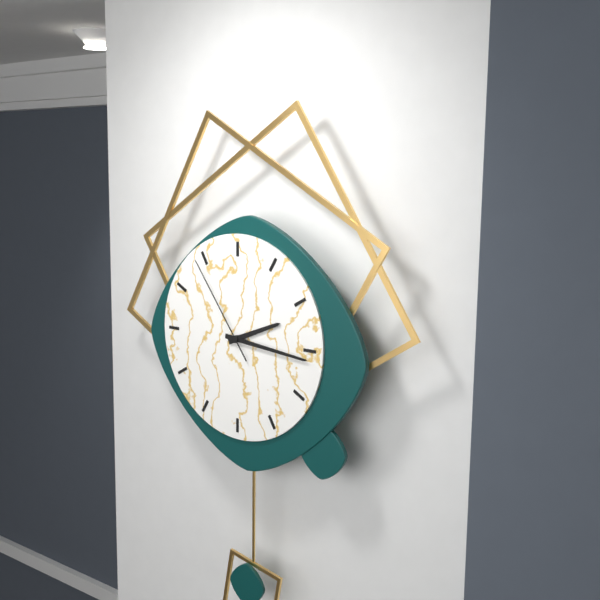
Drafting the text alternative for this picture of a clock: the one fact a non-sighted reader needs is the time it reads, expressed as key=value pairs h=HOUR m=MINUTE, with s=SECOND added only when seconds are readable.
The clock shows h=2 m=16 s=54
